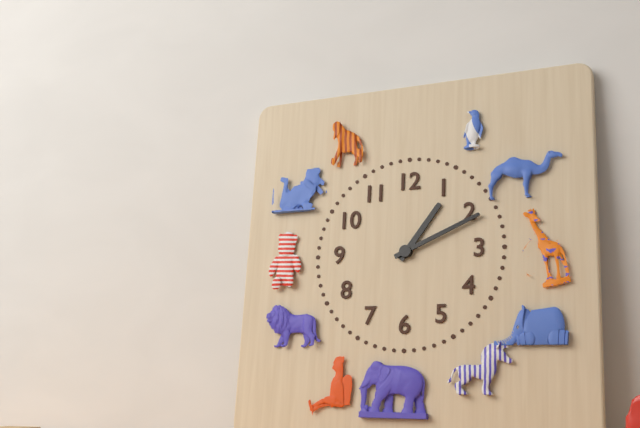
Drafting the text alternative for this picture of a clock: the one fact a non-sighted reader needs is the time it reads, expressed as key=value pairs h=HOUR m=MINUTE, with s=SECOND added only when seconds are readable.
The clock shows h=1 m=11
